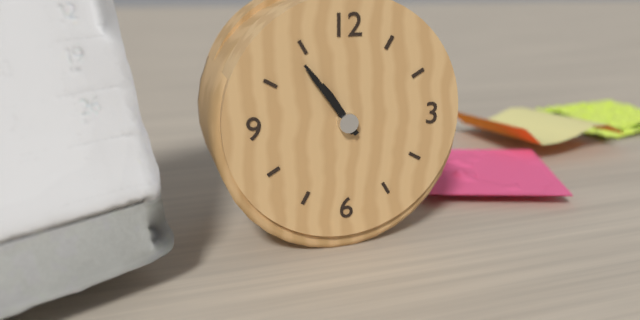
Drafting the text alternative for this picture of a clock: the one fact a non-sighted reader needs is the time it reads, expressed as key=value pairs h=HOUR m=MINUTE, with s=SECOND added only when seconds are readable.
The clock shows h=10 m=54
